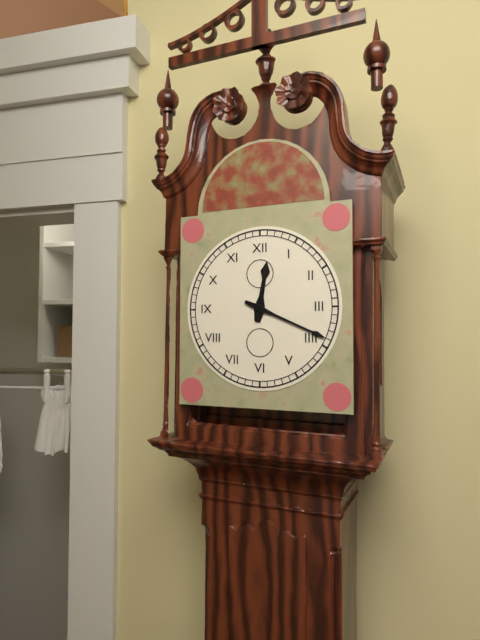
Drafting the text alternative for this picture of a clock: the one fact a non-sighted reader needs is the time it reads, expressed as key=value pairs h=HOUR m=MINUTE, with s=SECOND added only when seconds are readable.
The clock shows h=12 m=19
